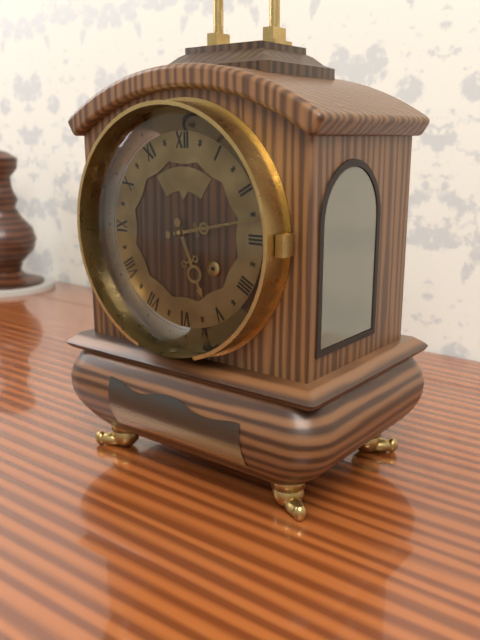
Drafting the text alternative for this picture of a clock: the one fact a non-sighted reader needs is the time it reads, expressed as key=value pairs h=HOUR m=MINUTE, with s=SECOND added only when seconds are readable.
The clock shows h=5 m=13
